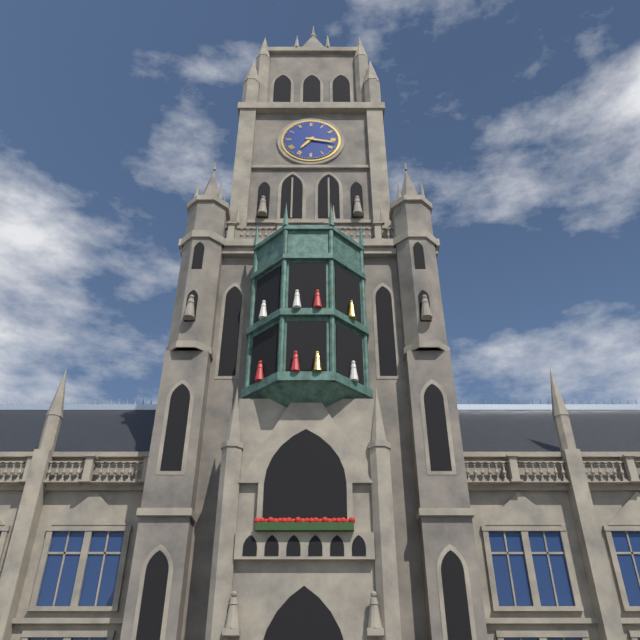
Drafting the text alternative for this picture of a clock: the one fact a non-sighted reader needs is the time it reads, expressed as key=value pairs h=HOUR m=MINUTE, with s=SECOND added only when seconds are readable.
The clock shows h=7 m=17
